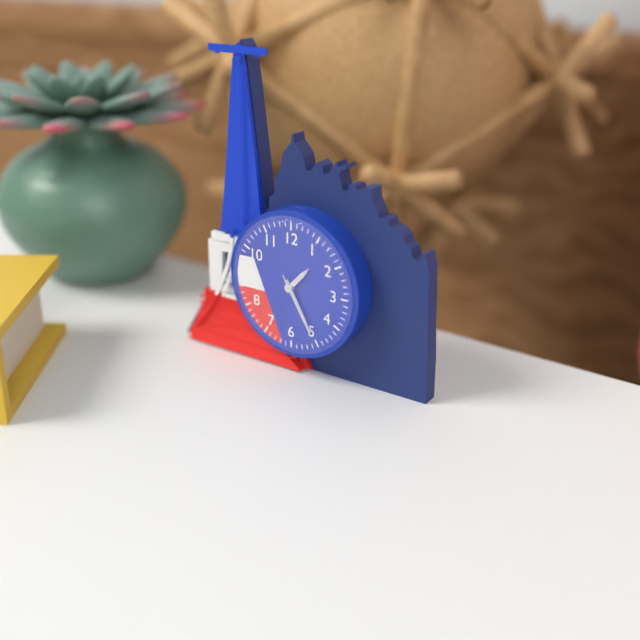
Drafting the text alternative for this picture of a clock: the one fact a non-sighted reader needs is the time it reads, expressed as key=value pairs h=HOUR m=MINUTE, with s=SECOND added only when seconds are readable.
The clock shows h=1 m=25 s=25
